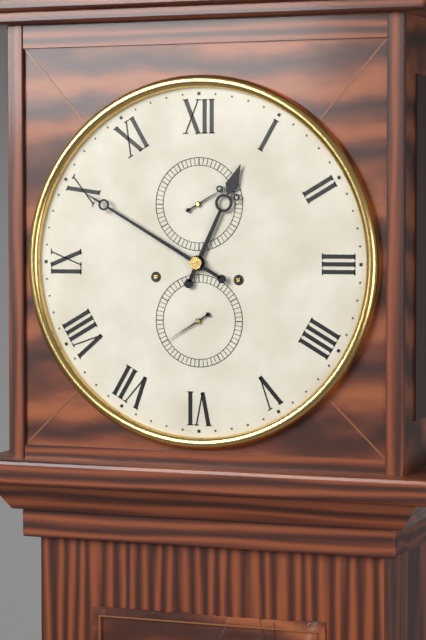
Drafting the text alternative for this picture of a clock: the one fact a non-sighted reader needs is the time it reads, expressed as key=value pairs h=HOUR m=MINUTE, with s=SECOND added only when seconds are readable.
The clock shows h=12 m=50
